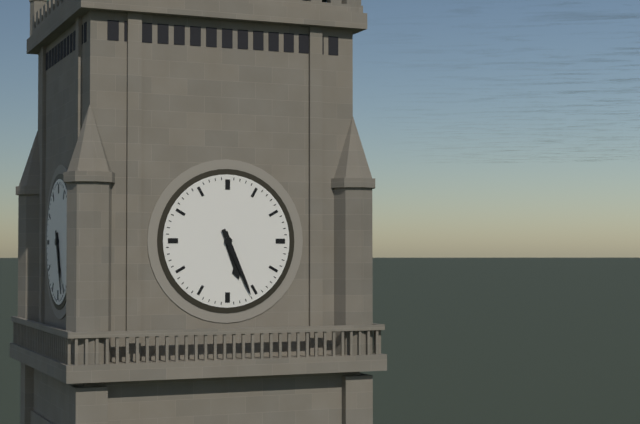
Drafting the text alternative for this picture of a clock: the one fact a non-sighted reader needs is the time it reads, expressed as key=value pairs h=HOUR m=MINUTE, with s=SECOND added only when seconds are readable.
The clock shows h=5 m=26
